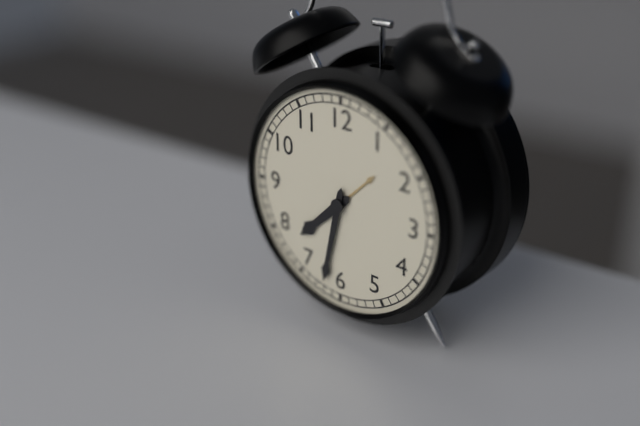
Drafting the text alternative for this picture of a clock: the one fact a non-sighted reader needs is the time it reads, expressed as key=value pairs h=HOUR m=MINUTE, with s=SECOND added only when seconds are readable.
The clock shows h=7 m=32
